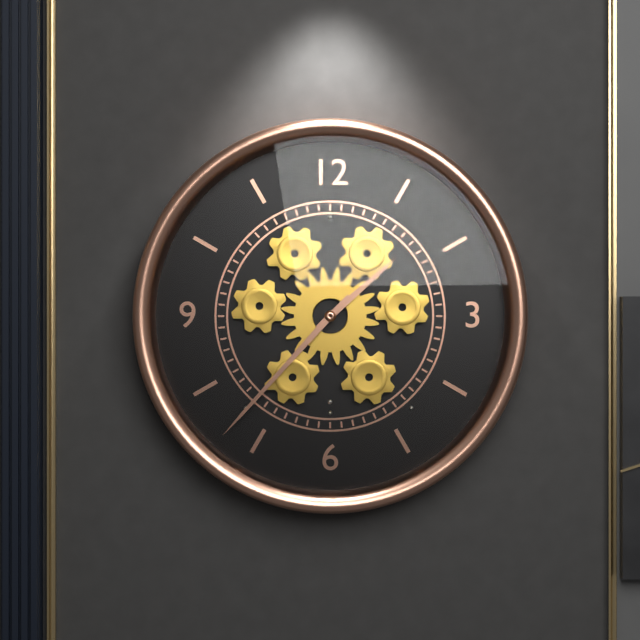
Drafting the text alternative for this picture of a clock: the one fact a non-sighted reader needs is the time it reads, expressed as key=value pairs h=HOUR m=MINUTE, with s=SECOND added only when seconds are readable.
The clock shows h=1 m=37
